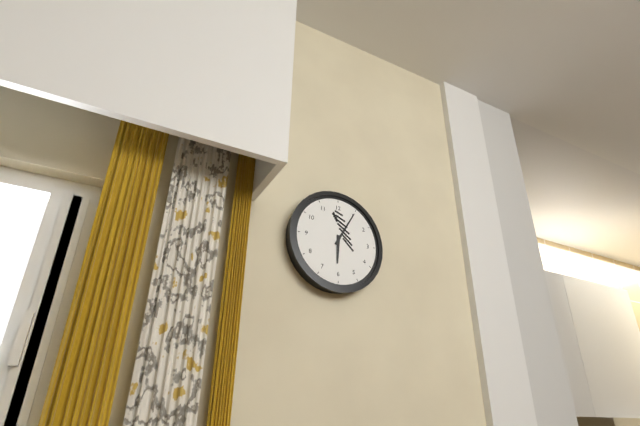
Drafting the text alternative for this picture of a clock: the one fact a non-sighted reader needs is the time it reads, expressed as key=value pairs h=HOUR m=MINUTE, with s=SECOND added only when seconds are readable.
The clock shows h=6 m=5
